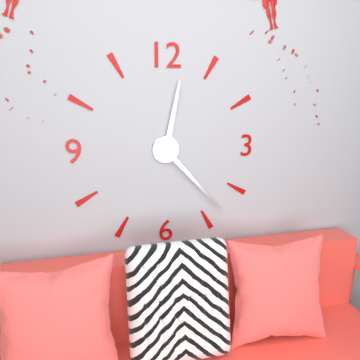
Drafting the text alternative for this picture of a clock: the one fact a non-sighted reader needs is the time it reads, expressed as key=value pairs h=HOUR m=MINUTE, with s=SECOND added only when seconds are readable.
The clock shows h=12 m=23
